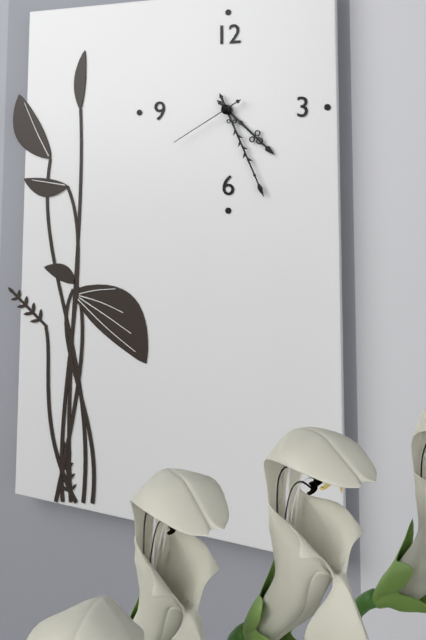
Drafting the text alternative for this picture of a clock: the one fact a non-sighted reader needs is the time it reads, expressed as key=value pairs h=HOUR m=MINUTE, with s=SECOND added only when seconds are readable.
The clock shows h=4 m=26 s=40
